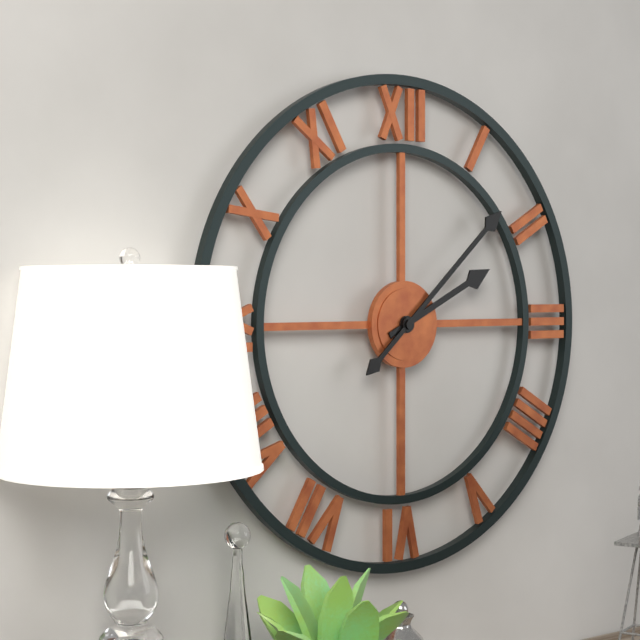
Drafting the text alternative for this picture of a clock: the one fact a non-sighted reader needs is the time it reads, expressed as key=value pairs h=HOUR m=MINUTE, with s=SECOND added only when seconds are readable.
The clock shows h=2 m=8
